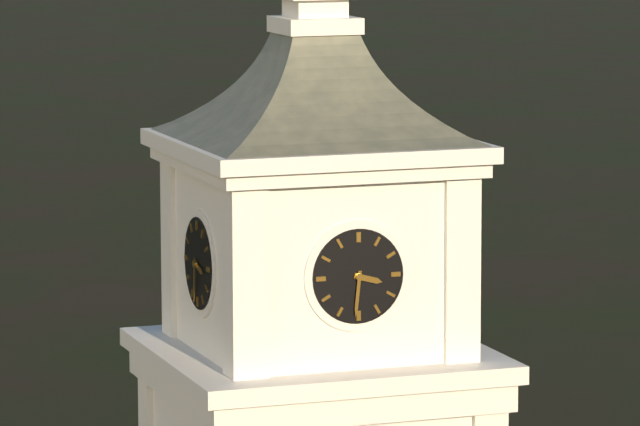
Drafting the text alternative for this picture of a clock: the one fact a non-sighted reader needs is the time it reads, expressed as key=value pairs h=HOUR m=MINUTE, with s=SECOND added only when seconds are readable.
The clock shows h=3 m=31
